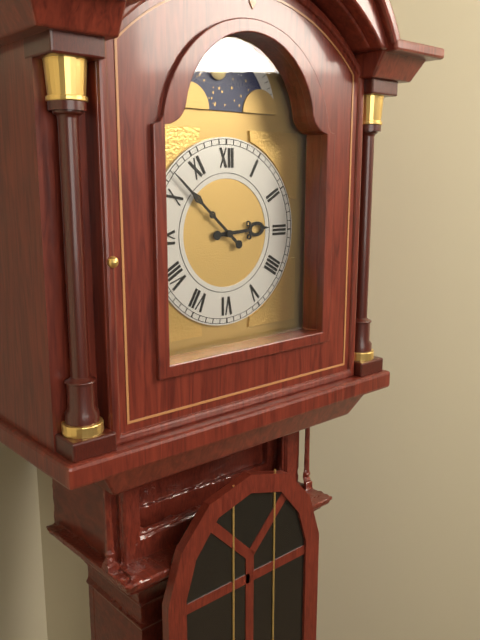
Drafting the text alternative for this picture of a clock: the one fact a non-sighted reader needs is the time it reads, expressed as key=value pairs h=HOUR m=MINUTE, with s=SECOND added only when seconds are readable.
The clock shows h=2 m=52
